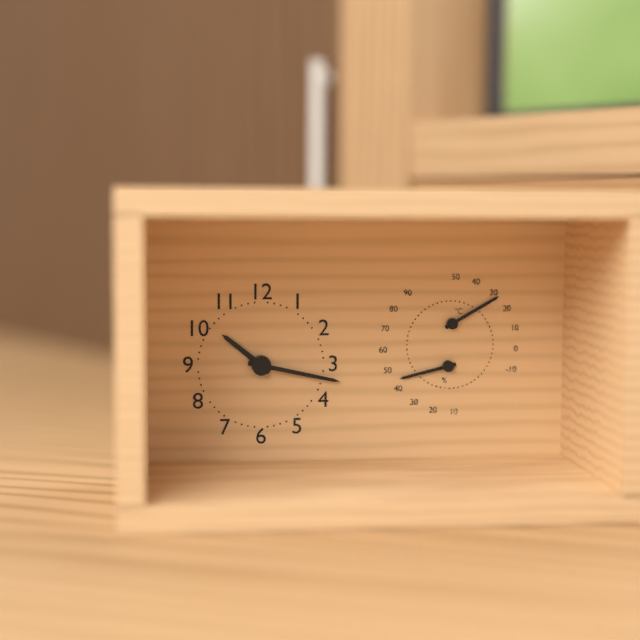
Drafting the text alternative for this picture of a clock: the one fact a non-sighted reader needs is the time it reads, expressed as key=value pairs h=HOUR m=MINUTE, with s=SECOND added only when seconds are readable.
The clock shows h=10 m=17
